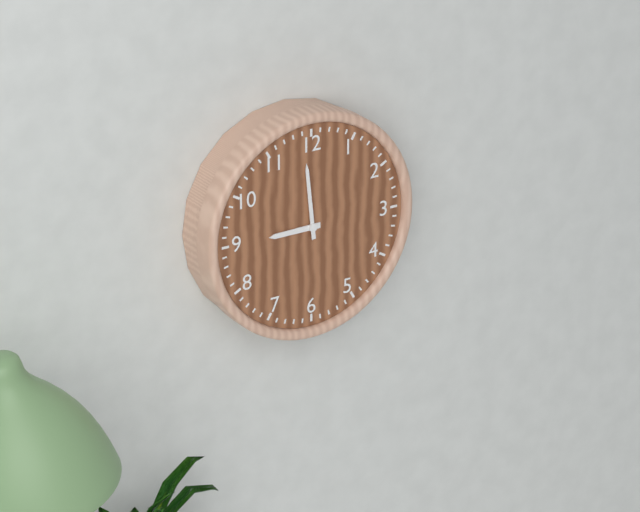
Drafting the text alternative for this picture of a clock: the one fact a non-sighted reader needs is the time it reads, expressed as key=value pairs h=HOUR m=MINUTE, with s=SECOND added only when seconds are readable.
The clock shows h=8 m=59
